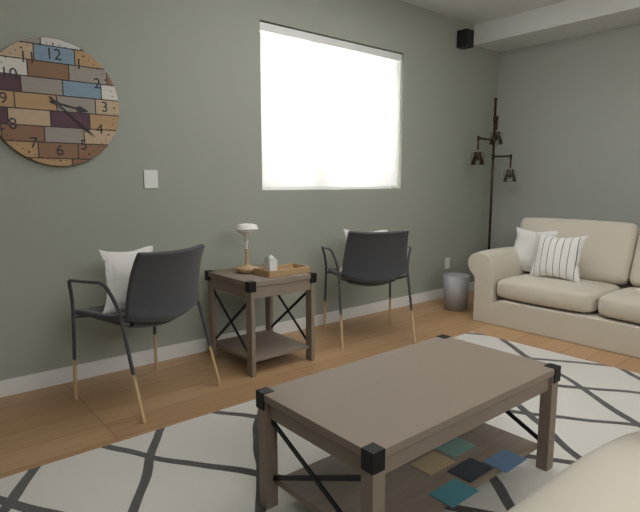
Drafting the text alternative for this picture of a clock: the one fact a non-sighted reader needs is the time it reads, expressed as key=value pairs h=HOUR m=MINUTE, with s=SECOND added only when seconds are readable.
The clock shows h=3 m=22
